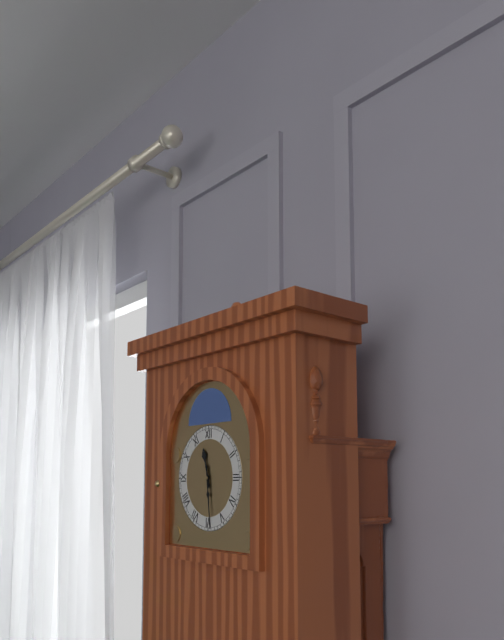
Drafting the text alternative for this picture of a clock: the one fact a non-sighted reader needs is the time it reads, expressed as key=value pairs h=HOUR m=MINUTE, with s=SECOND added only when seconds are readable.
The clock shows h=11 m=29
